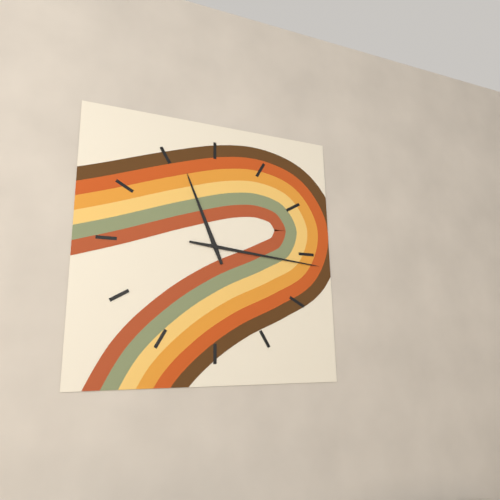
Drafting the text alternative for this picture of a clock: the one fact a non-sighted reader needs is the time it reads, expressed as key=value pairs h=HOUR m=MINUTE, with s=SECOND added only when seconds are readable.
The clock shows h=11 m=16
